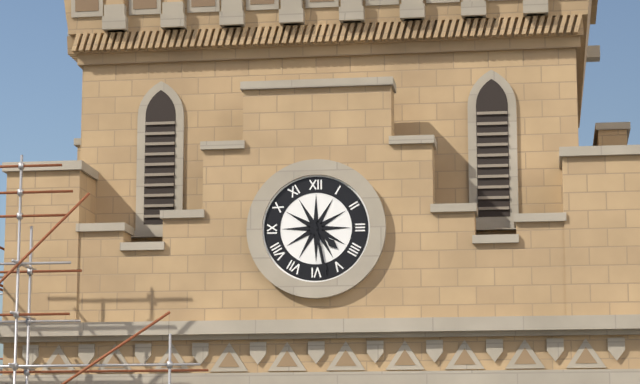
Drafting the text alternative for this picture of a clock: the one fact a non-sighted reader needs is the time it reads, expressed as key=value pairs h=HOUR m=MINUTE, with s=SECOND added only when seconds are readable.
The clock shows h=4 m=28
